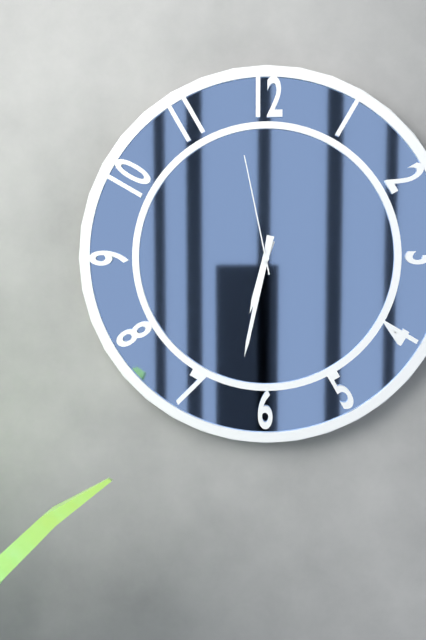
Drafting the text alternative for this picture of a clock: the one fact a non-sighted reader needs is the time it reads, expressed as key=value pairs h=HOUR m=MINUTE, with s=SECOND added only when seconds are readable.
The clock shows h=6 m=32 s=58
